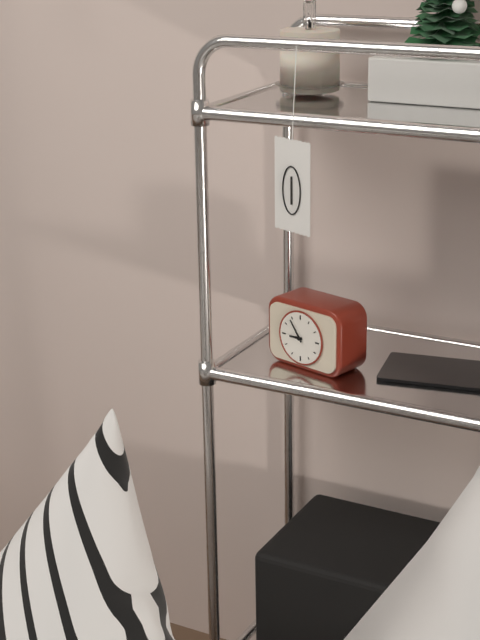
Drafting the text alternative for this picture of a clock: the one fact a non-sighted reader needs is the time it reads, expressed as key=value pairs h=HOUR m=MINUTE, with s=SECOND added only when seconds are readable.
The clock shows h=8 m=54
